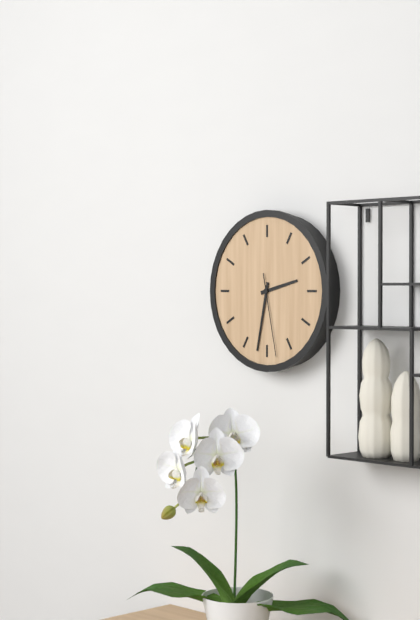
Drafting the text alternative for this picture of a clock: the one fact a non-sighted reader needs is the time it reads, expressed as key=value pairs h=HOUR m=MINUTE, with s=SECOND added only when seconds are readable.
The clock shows h=2 m=32 s=28
